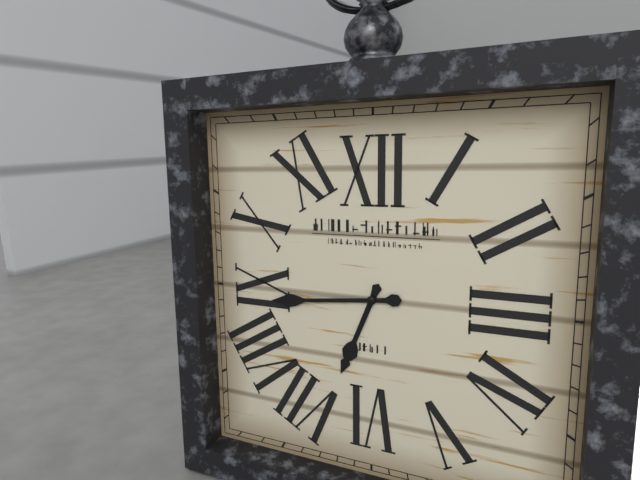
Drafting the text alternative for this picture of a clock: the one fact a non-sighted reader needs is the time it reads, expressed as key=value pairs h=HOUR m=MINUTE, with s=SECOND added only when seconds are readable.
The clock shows h=6 m=44
